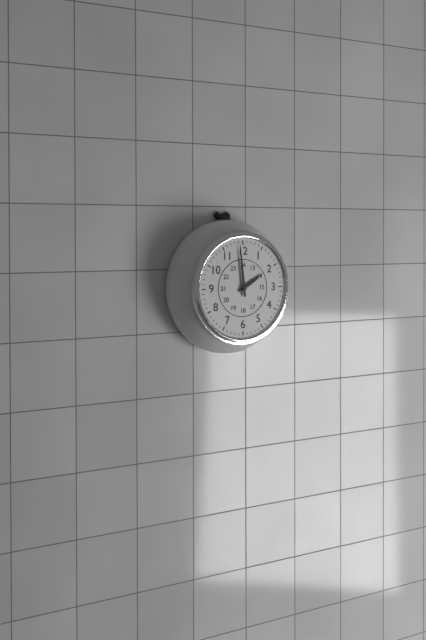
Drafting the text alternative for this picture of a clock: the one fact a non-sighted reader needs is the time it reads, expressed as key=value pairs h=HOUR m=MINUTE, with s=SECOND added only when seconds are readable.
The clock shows h=1 m=59
